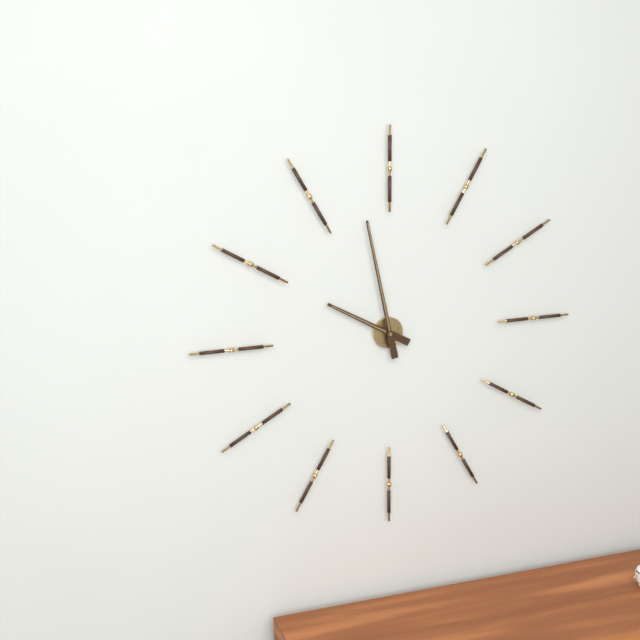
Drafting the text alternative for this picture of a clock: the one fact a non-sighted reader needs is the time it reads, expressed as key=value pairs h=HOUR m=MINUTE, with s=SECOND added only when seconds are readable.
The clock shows h=9 m=58
